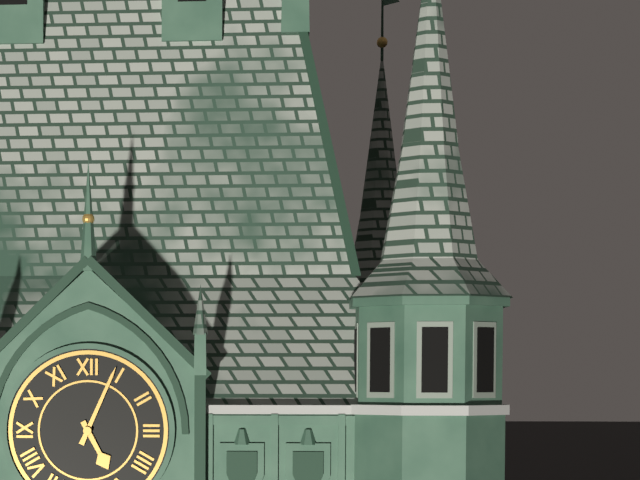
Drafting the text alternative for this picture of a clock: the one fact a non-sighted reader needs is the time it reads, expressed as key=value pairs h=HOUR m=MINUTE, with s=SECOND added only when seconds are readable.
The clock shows h=5 m=4
